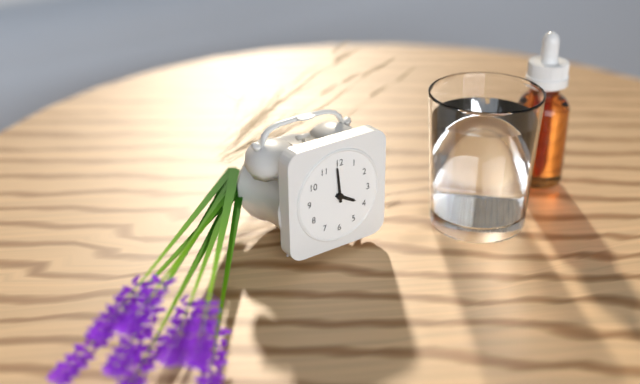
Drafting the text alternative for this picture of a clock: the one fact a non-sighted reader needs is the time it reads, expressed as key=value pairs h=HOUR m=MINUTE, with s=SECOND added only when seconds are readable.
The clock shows h=3 m=59
